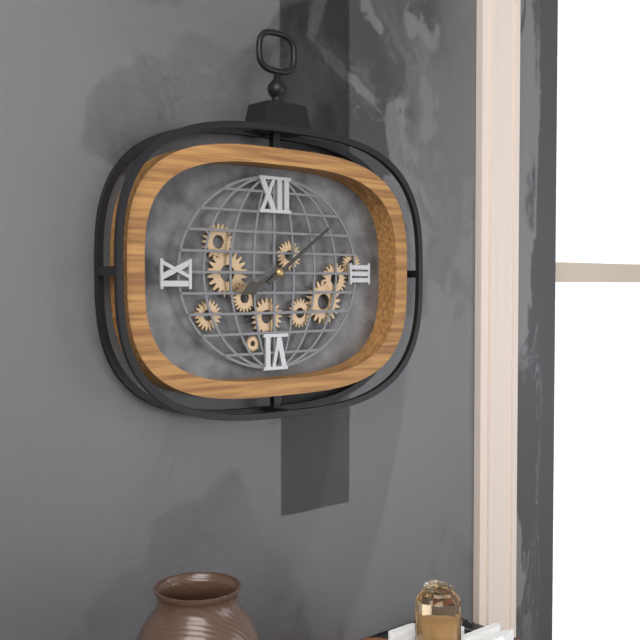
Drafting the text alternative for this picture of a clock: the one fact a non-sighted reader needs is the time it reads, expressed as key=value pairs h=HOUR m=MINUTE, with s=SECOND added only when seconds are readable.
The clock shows h=8 m=9
